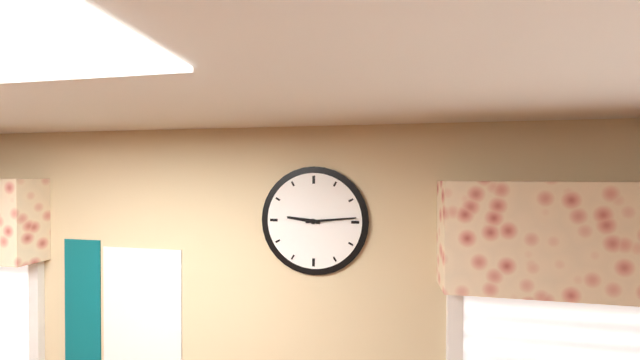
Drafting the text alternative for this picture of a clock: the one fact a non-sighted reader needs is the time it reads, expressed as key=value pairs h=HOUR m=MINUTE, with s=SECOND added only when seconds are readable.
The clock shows h=9 m=14
